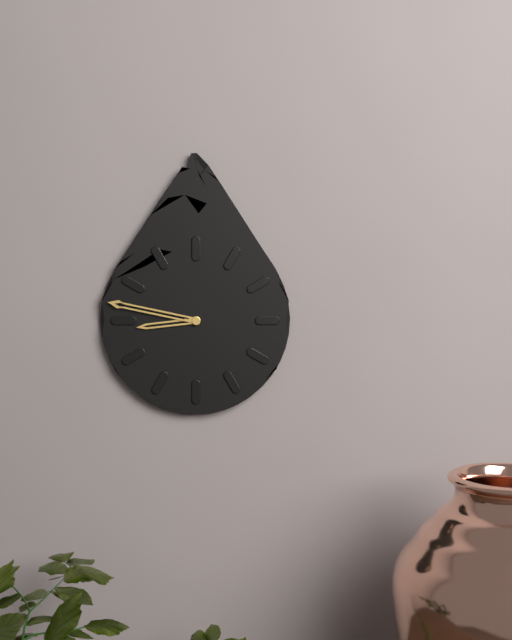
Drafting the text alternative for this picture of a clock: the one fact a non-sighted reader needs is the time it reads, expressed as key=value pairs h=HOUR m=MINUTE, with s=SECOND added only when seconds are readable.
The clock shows h=8 m=47
